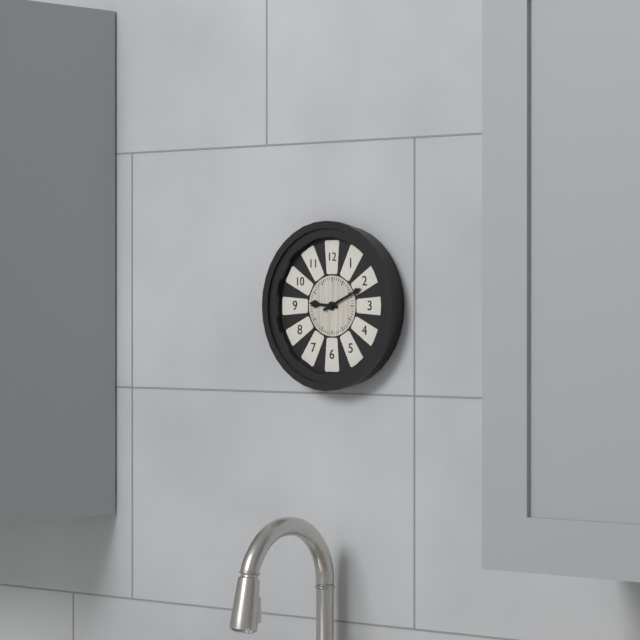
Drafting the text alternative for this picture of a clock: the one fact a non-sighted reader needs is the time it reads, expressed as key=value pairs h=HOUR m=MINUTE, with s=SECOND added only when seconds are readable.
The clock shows h=9 m=11
